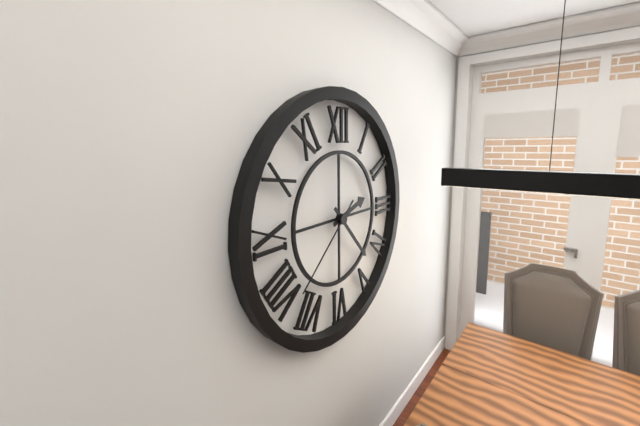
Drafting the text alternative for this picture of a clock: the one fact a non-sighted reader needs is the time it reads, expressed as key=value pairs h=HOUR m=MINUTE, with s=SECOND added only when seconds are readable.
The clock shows h=2 m=23 s=38
